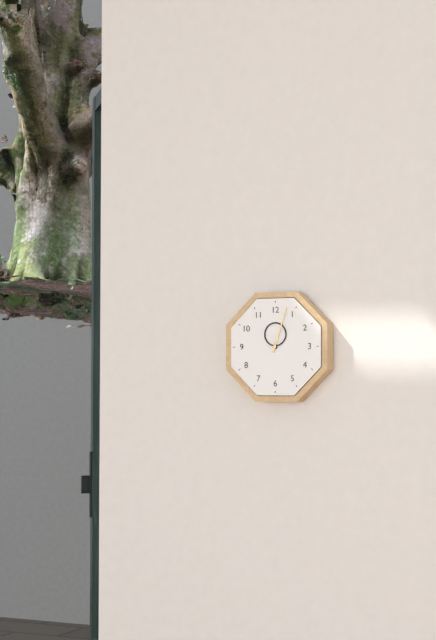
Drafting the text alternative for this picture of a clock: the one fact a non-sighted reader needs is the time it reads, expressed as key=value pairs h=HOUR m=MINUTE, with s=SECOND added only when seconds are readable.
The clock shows h=12 m=3
